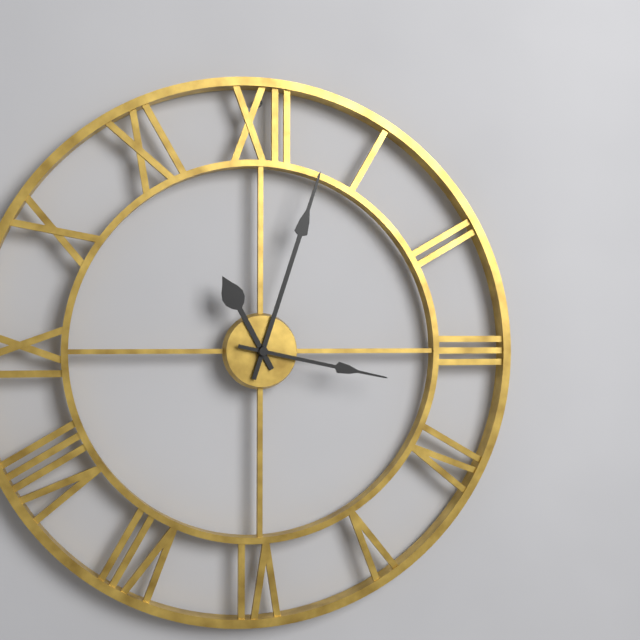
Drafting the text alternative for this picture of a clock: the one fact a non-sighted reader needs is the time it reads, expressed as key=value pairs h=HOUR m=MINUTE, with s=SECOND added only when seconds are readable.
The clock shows h=11 m=3 s=17
